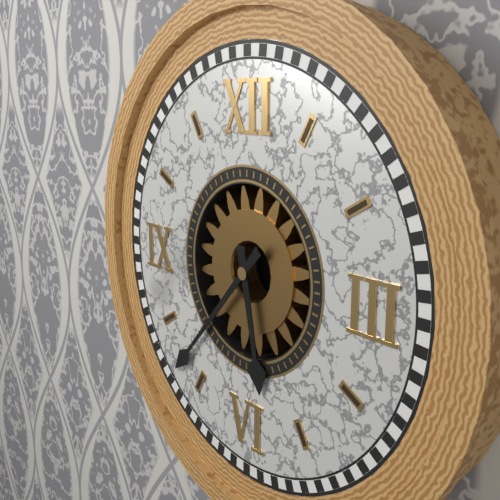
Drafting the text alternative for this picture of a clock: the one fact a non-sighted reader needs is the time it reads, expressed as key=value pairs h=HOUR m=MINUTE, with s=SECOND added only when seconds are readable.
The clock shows h=5 m=37
